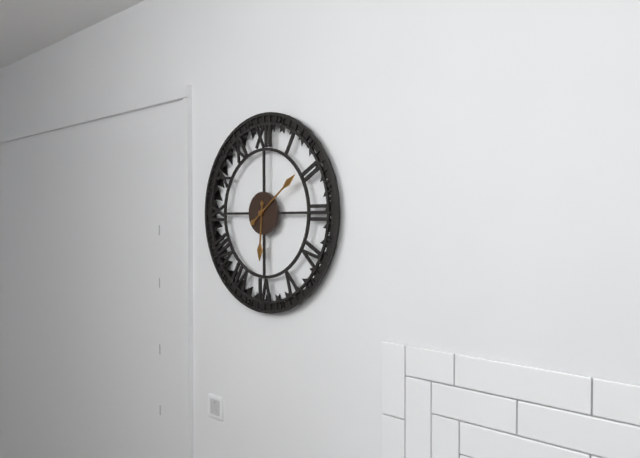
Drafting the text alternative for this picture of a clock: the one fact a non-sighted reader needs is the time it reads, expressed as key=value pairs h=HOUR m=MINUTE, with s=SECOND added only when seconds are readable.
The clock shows h=6 m=9
